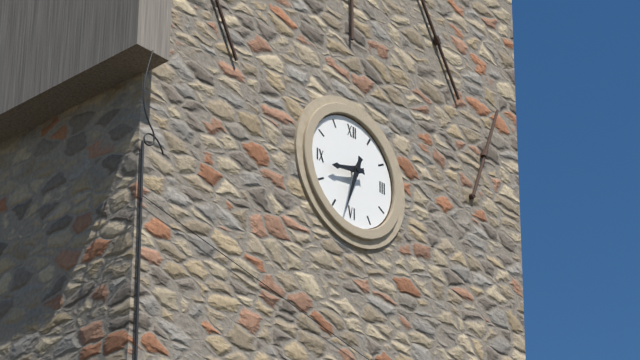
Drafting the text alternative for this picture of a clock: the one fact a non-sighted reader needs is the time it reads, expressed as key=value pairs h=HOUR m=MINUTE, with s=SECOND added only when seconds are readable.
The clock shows h=8 m=33
